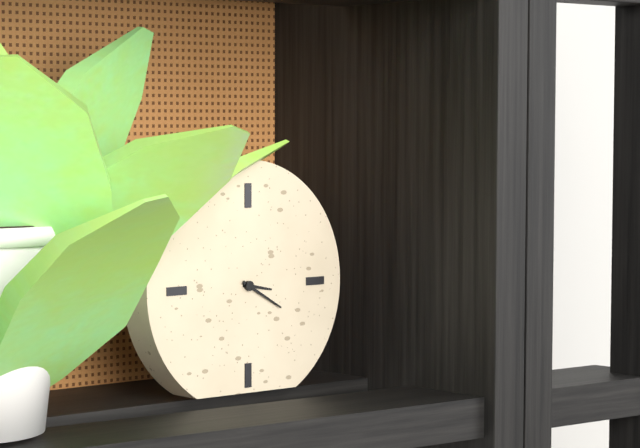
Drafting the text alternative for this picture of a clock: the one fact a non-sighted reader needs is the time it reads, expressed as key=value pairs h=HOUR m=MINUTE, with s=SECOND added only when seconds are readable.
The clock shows h=3 m=20
